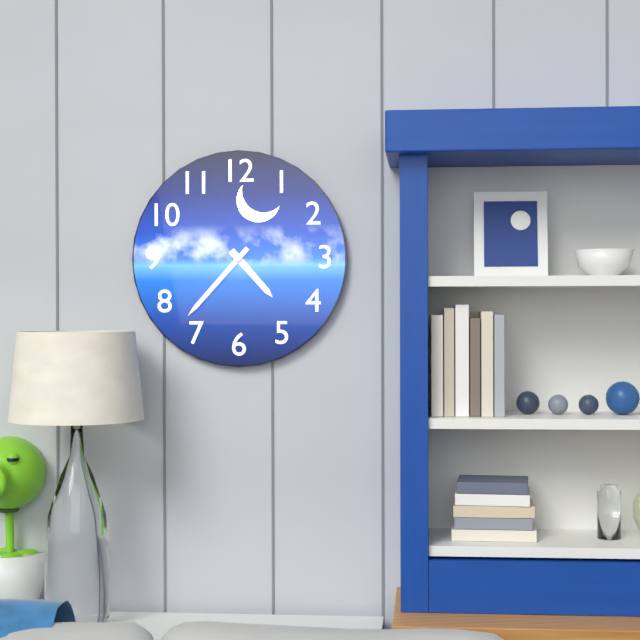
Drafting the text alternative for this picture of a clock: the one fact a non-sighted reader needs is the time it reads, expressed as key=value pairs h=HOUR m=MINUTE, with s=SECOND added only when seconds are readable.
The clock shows h=4 m=37
